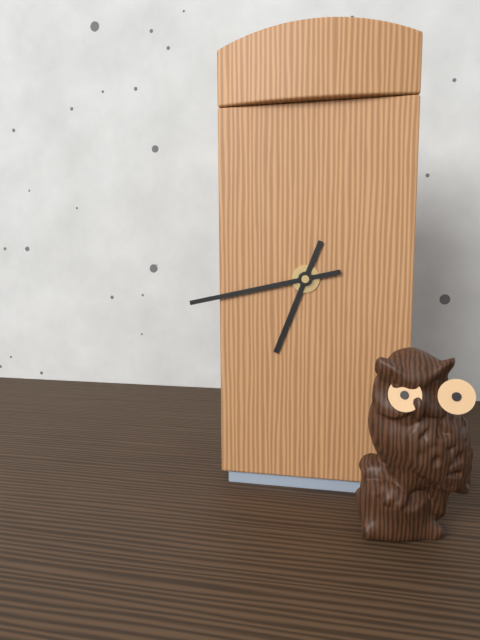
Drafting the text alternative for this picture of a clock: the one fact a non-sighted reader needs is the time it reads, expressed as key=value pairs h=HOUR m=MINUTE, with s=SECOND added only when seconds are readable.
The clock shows h=6 m=43
